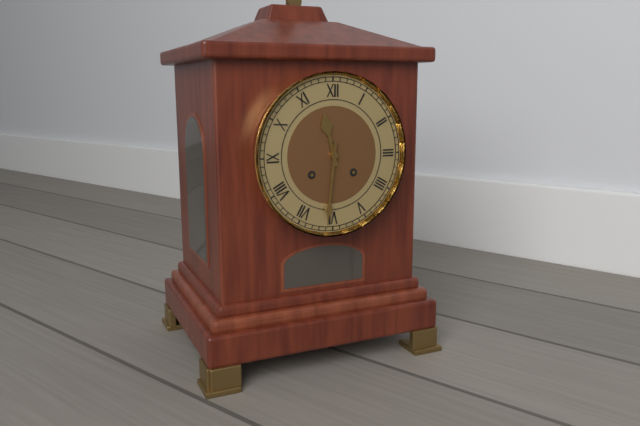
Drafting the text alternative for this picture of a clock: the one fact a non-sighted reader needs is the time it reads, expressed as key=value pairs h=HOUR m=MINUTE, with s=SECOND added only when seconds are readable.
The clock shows h=11 m=31
